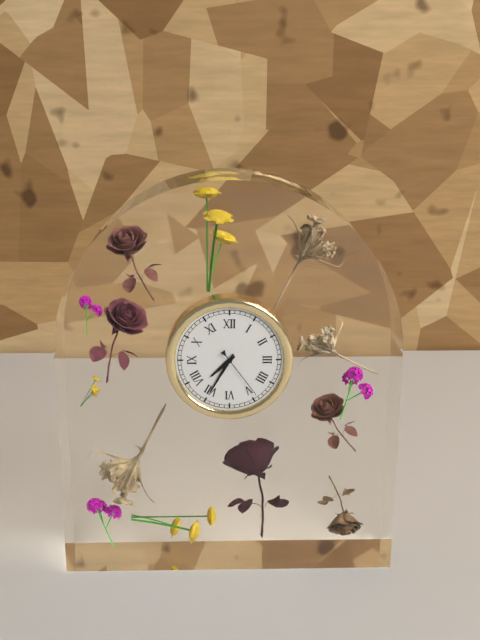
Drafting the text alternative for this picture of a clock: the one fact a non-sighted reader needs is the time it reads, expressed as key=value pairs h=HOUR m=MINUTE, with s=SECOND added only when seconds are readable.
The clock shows h=7 m=35 s=24
